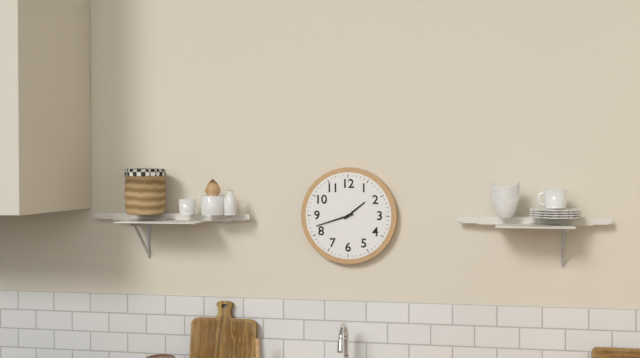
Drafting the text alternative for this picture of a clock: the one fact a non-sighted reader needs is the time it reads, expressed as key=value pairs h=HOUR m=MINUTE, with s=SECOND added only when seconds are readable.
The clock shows h=1 m=42
